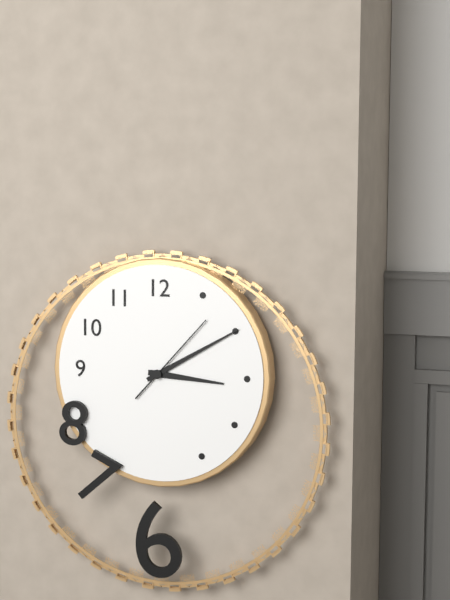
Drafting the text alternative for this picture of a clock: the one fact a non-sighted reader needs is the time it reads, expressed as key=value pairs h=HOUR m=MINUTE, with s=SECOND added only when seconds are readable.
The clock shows h=3 m=10 s=7
